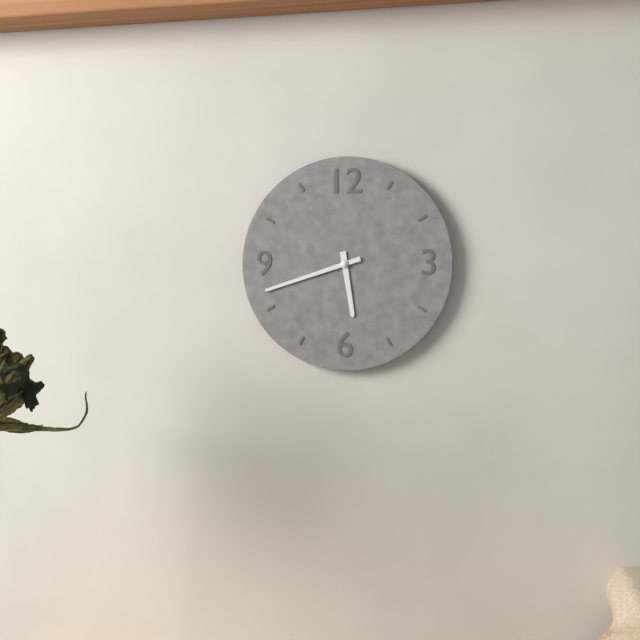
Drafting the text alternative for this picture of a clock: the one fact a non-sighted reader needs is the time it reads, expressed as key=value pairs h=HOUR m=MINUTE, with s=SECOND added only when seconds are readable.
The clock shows h=5 m=42
